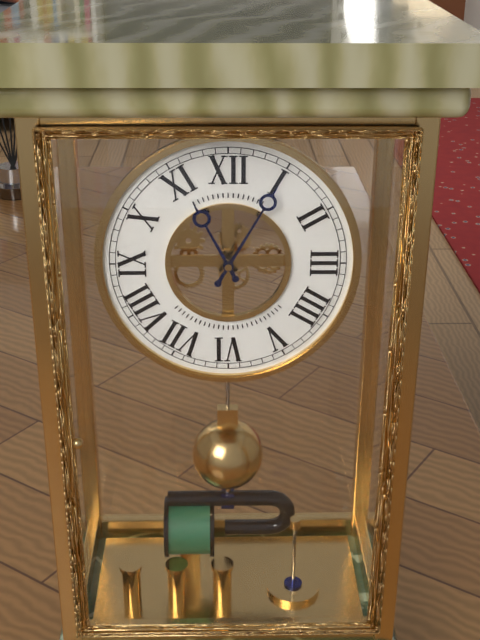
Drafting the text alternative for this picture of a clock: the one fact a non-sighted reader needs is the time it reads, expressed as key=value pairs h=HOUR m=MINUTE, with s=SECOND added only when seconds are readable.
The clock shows h=11 m=5
